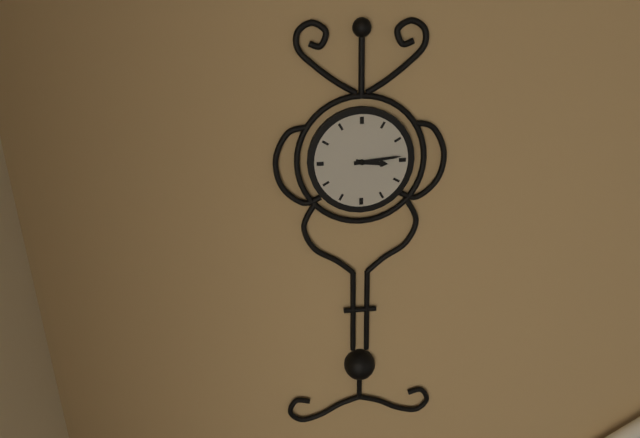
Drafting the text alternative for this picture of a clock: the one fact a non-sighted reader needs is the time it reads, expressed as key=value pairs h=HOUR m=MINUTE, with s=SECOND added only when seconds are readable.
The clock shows h=3 m=14
